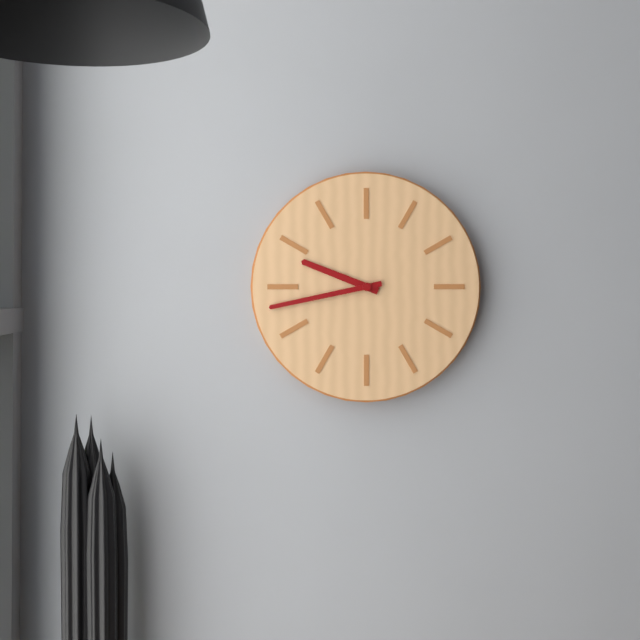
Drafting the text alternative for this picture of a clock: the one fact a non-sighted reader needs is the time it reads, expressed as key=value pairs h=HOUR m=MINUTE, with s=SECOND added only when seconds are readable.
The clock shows h=9 m=43
